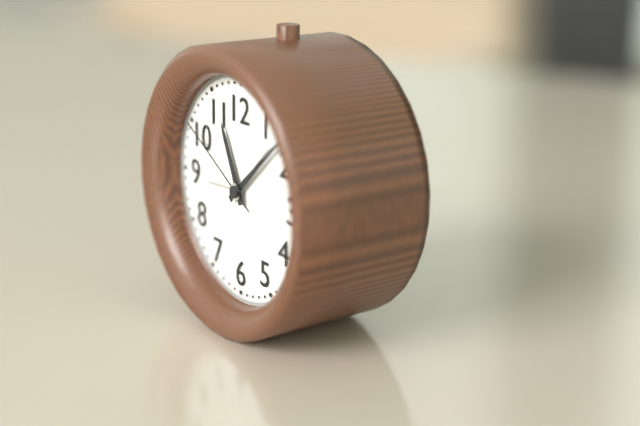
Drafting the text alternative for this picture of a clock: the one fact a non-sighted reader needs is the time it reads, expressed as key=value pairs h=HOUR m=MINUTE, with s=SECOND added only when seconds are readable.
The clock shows h=11 m=8 s=50
